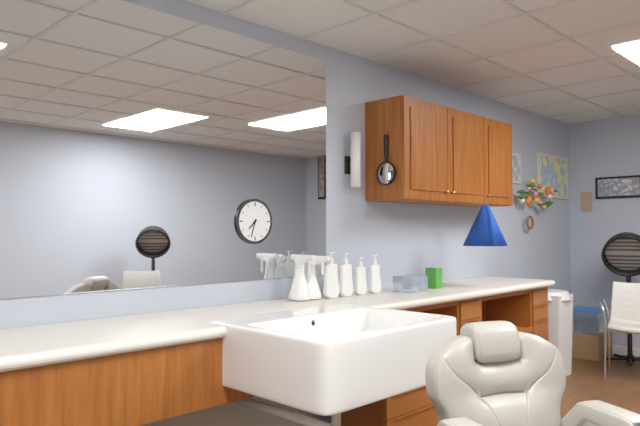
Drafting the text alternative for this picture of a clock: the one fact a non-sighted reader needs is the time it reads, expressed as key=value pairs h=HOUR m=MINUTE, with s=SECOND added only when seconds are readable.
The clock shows h=7 m=33
